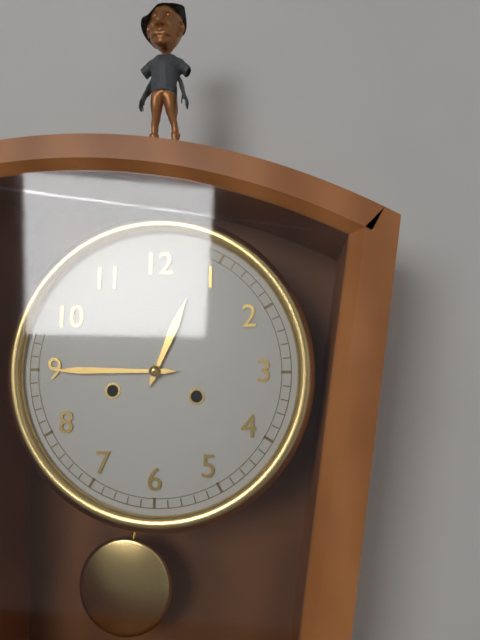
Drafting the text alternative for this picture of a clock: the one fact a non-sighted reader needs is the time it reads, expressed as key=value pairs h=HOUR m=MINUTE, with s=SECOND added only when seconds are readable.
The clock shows h=12 m=45
